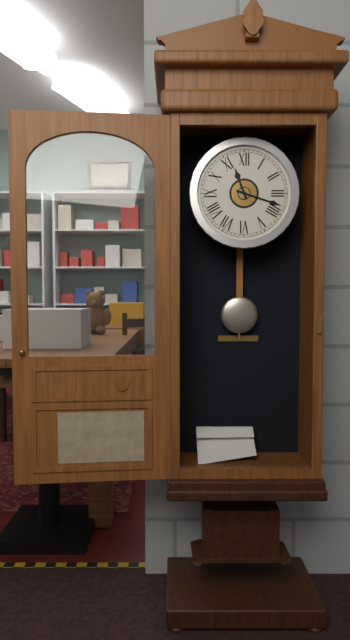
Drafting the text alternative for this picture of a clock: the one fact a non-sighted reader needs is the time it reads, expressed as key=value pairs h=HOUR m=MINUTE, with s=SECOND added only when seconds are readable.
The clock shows h=11 m=18
